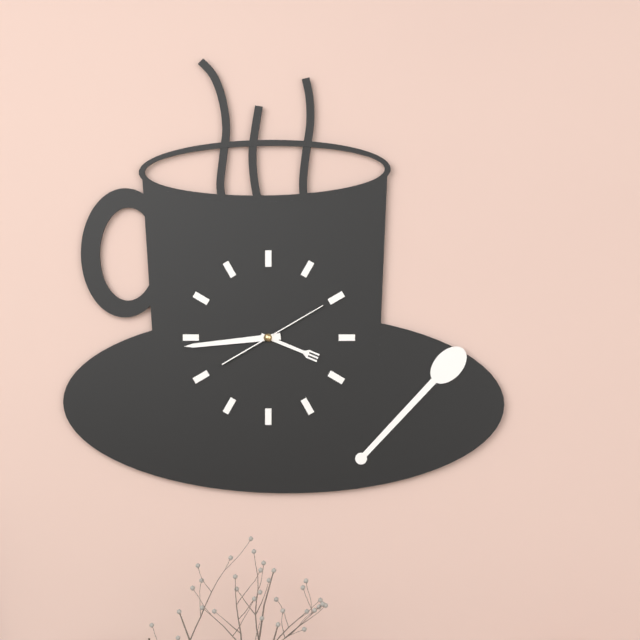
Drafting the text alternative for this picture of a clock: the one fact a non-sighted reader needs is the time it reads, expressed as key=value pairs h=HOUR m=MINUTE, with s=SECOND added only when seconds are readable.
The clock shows h=3 m=44 s=10
